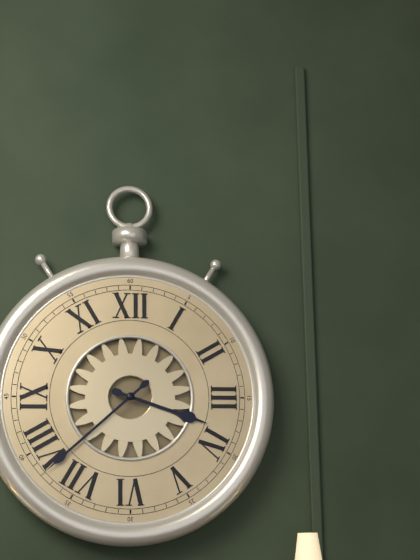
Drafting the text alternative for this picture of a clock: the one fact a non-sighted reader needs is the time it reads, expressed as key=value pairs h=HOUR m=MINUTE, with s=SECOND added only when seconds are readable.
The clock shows h=3 m=38
